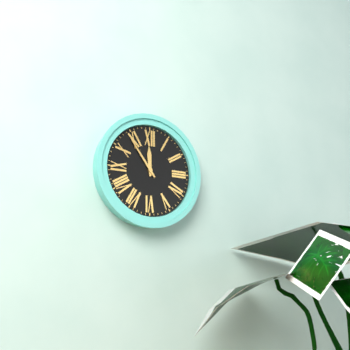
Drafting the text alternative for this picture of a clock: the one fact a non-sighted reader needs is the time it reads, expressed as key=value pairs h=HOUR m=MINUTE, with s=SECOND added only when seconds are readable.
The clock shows h=11 m=54
